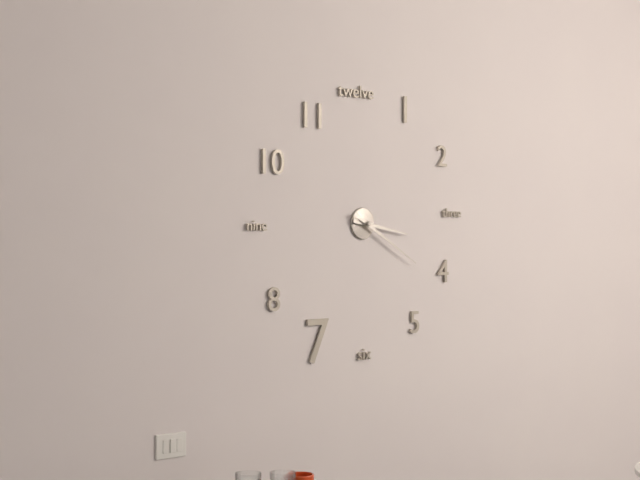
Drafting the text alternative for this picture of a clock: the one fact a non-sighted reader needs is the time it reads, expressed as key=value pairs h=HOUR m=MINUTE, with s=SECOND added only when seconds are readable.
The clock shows h=3 m=20
